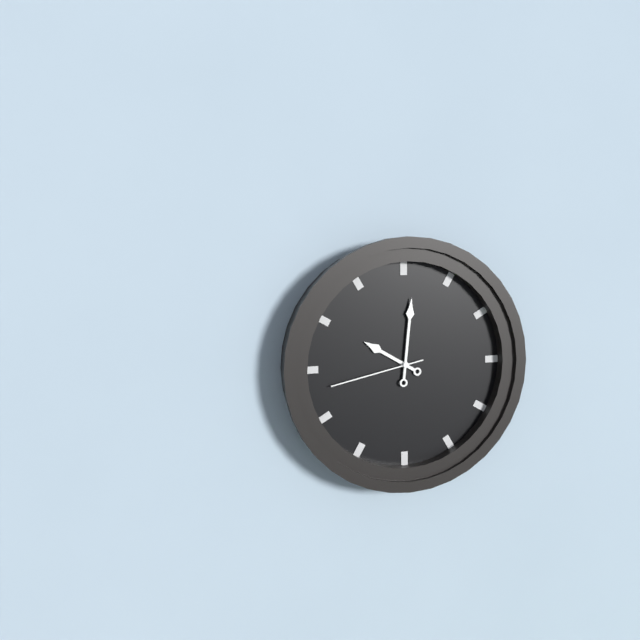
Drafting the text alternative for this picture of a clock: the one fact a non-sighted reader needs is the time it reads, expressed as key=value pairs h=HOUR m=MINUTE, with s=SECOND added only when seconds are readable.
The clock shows h=10 m=1 s=43
